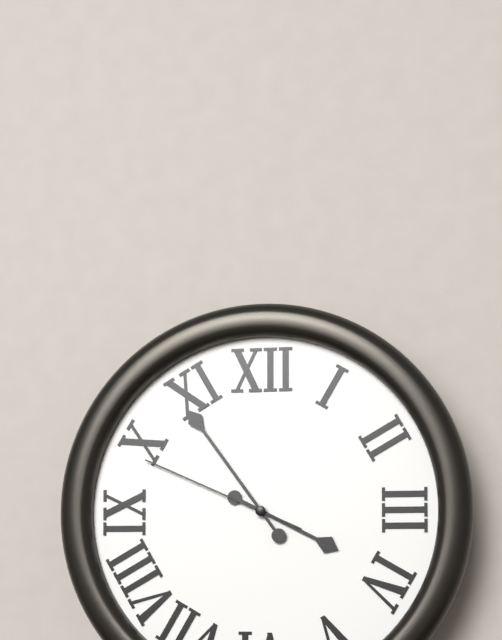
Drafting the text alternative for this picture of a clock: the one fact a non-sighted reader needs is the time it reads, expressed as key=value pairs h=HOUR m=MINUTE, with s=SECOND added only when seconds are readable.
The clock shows h=3 m=54 s=49
